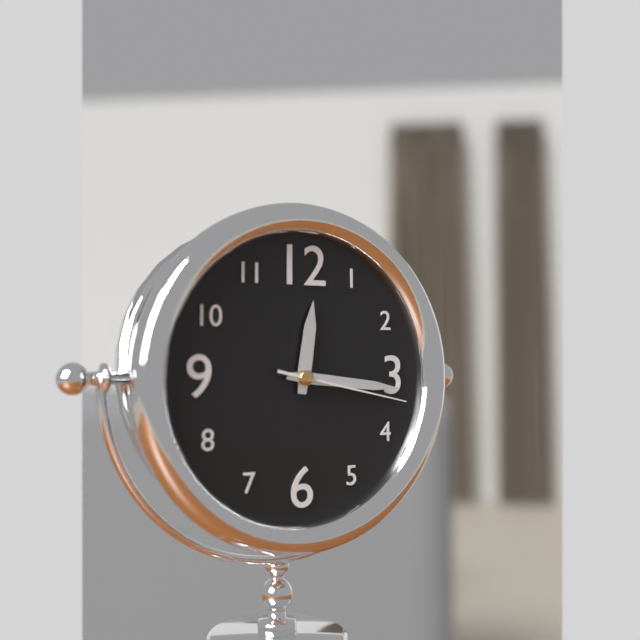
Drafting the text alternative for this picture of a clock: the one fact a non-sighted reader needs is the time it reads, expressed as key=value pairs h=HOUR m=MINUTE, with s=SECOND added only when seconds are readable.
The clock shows h=12 m=16 s=17
